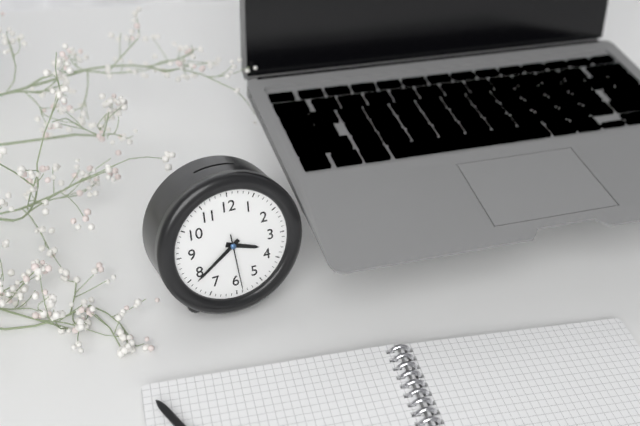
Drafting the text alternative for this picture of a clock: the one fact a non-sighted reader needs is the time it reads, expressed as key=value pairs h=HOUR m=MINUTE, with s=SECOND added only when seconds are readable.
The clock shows h=3 m=39 s=29
